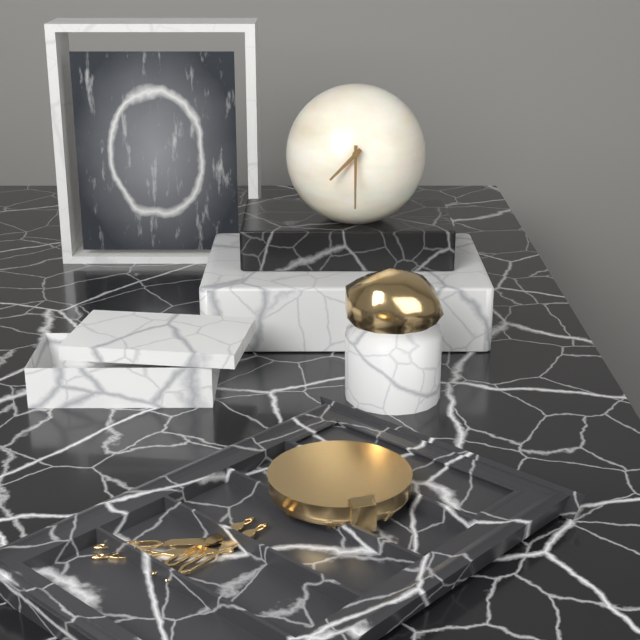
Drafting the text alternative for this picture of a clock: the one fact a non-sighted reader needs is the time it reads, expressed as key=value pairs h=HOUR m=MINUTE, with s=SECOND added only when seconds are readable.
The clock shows h=7 m=30
